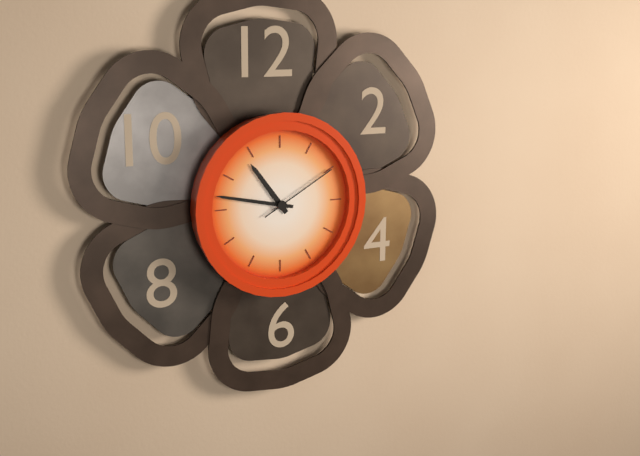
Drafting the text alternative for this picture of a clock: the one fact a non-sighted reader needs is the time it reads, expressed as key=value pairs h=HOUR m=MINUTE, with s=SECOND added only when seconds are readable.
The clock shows h=10 m=47 s=10
